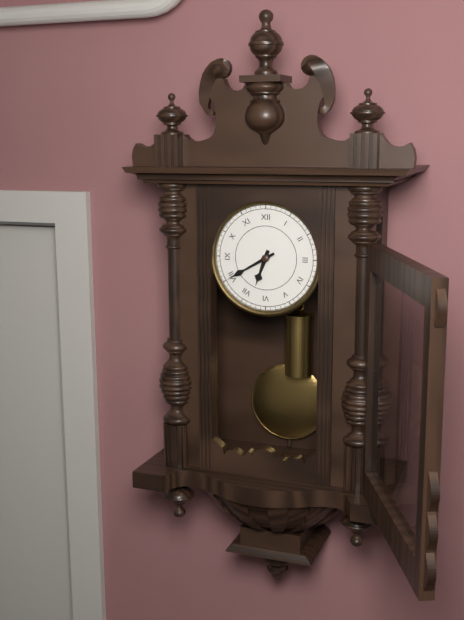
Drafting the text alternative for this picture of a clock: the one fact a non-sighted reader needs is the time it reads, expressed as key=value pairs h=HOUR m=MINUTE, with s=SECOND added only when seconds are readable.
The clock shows h=6 m=40
